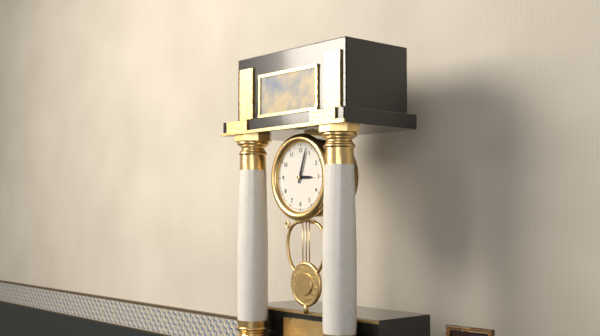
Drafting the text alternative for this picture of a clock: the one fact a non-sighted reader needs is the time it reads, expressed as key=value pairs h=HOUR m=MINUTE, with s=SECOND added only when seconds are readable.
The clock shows h=3 m=3
